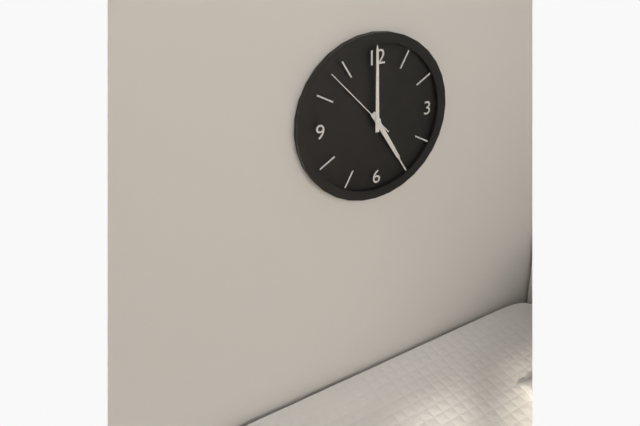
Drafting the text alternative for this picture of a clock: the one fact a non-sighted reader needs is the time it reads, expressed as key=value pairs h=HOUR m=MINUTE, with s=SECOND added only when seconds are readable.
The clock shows h=5 m=0 s=53
